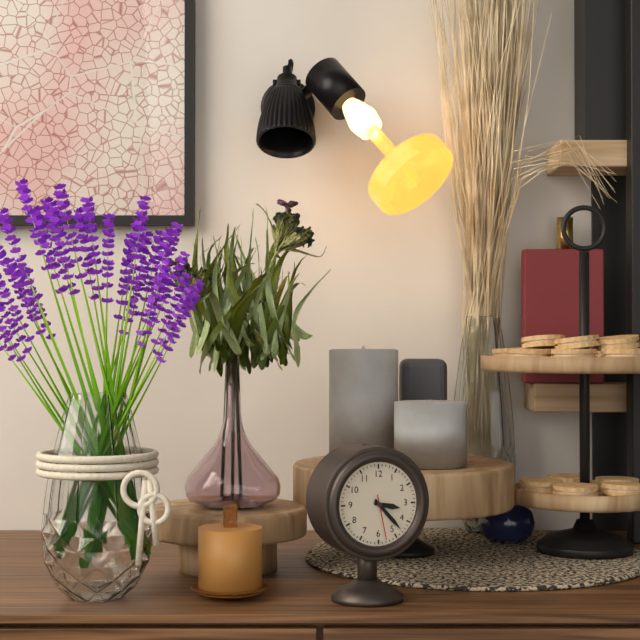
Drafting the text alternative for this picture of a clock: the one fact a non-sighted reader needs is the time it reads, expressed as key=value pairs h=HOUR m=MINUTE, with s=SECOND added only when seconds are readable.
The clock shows h=3 m=23
